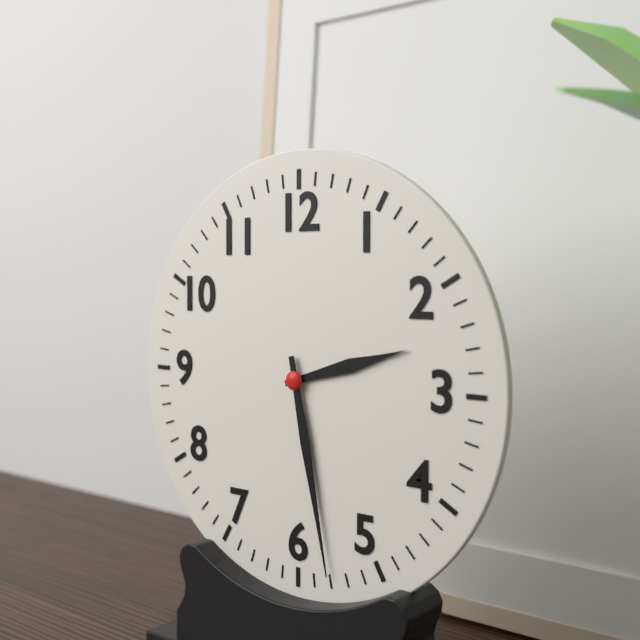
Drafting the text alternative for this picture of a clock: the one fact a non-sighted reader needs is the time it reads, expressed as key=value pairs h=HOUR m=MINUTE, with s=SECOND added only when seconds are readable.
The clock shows h=2 m=28
